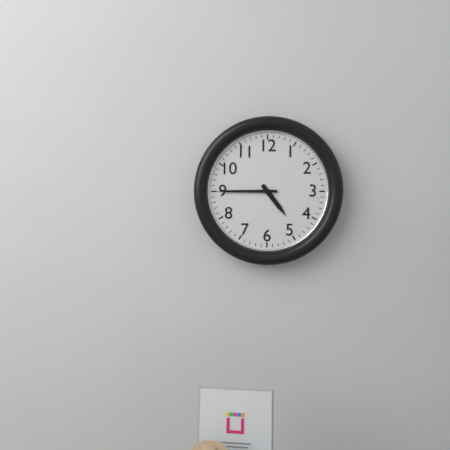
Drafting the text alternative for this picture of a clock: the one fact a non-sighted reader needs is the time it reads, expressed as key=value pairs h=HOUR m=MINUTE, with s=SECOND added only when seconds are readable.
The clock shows h=4 m=45
